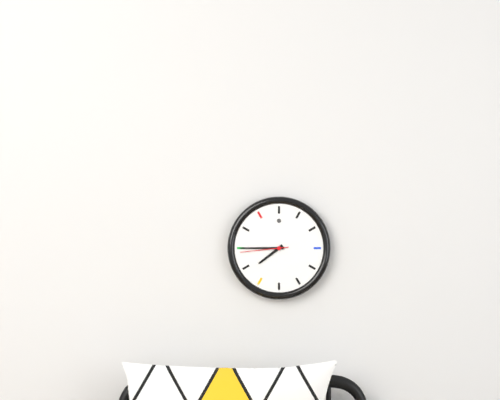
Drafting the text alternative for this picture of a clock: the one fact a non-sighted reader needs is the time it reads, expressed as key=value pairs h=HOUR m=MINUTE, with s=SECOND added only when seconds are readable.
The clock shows h=7 m=45
